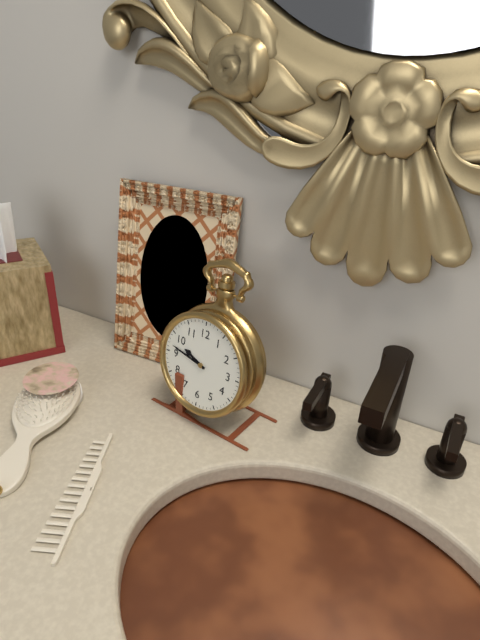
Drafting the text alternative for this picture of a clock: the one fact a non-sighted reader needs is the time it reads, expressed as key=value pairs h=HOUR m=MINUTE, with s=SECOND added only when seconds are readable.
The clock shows h=9 m=47
